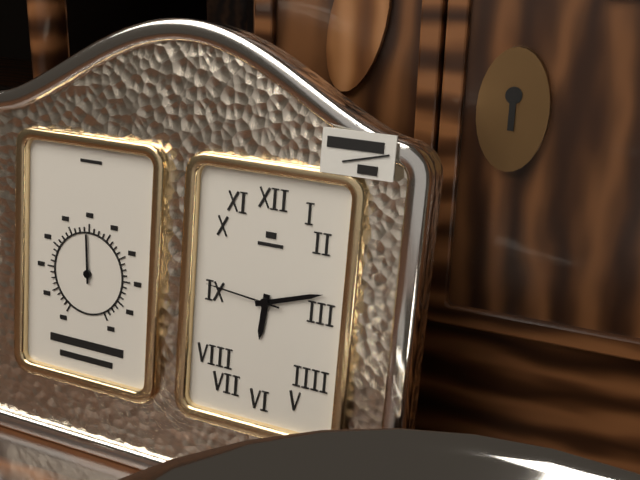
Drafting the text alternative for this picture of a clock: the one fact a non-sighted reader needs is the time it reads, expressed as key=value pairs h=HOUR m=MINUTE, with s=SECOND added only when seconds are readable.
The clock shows h=6 m=12 s=46
